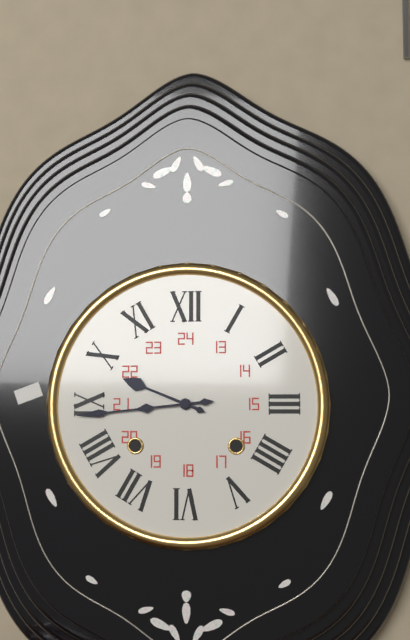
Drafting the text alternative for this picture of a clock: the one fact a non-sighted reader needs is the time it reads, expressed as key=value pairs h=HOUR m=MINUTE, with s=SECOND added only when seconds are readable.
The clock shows h=9 m=44
